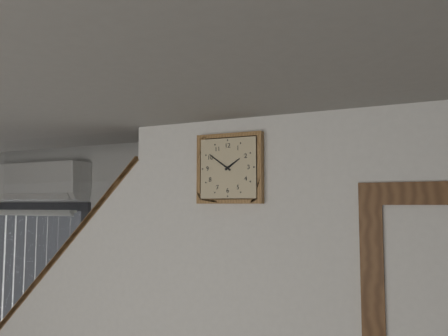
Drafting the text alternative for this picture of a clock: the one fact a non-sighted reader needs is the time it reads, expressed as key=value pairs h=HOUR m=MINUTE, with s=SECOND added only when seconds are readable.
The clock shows h=1 m=51
